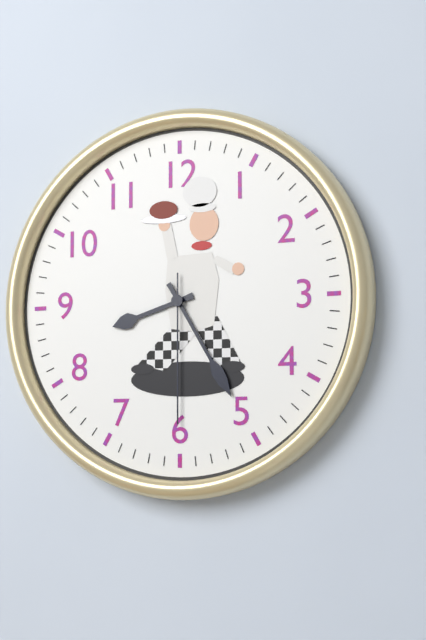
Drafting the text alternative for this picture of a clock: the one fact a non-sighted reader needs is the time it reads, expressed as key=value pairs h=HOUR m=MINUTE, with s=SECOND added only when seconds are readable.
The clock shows h=8 m=25 s=30
